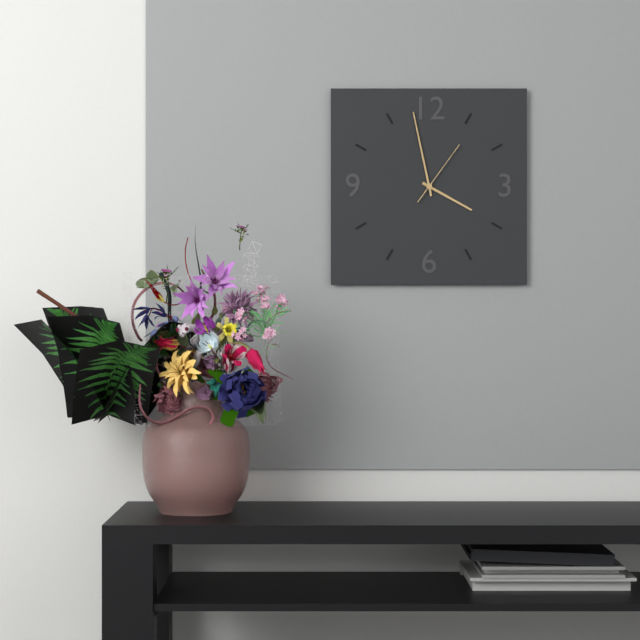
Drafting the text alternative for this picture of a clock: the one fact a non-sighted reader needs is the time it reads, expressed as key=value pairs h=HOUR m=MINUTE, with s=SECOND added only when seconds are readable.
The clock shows h=3 m=58 s=6
